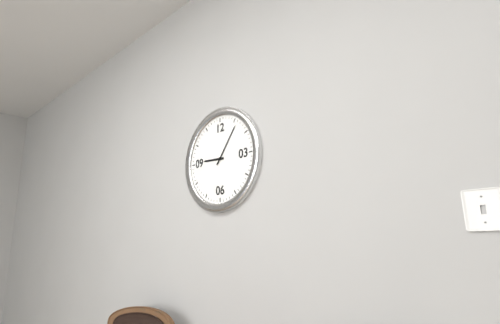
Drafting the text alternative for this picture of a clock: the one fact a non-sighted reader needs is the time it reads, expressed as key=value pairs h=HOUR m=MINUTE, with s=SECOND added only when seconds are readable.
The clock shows h=9 m=6
